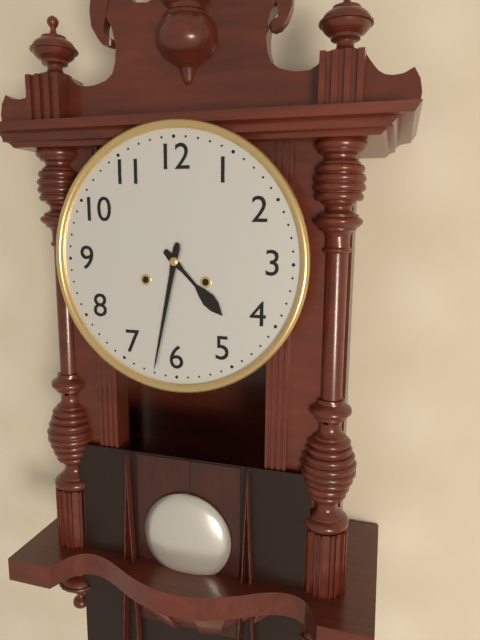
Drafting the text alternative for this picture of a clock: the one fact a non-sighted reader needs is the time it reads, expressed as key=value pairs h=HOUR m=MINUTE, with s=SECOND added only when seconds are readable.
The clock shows h=4 m=32
